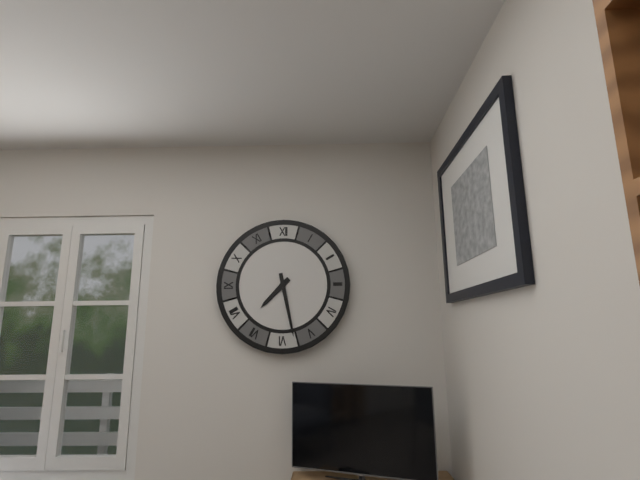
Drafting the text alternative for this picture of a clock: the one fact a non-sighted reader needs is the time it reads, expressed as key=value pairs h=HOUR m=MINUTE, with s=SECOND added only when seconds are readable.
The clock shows h=7 m=28
